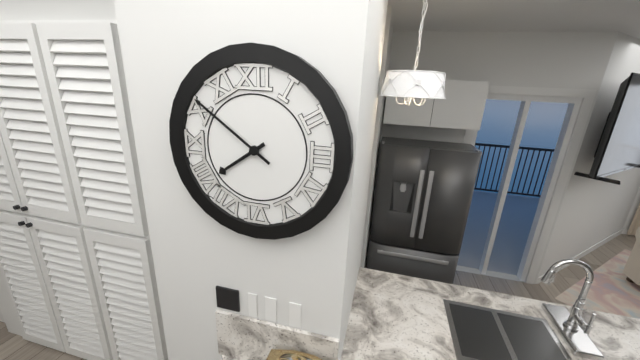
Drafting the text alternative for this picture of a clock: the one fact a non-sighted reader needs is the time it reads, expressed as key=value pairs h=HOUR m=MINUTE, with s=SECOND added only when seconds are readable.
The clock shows h=7 m=51
